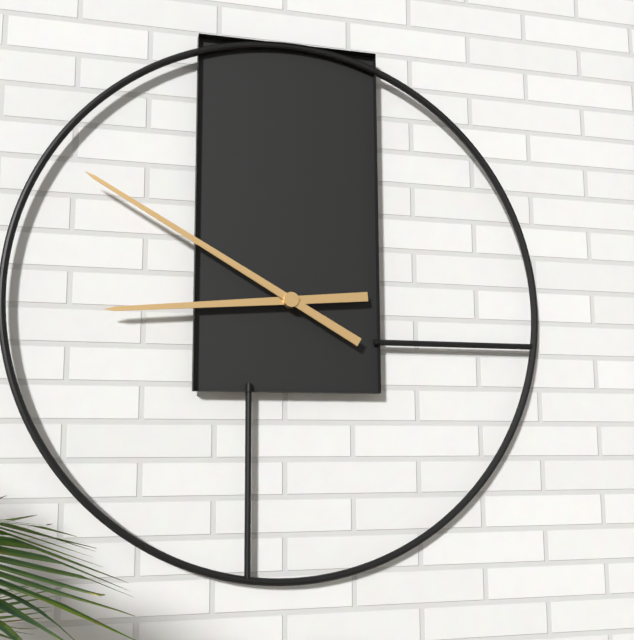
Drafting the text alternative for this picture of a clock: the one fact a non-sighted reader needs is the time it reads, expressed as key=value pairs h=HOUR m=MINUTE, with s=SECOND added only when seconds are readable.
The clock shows h=8 m=50
